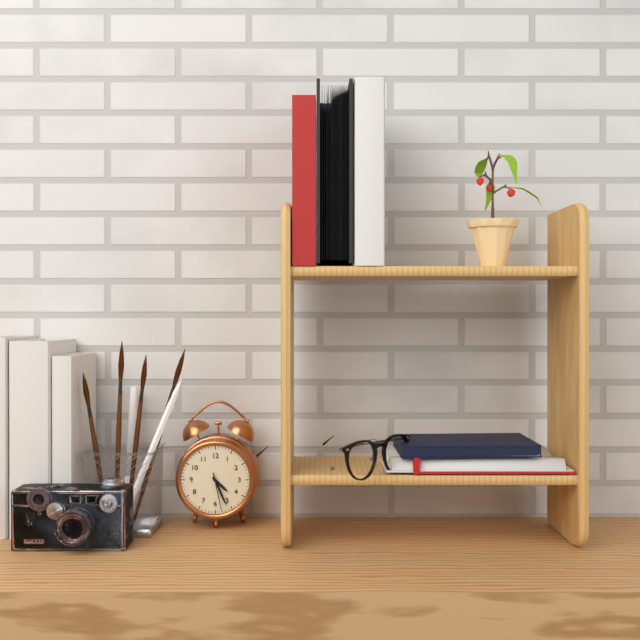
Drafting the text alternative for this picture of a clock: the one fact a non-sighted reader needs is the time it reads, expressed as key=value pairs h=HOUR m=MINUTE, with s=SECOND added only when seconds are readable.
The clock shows h=4 m=26
